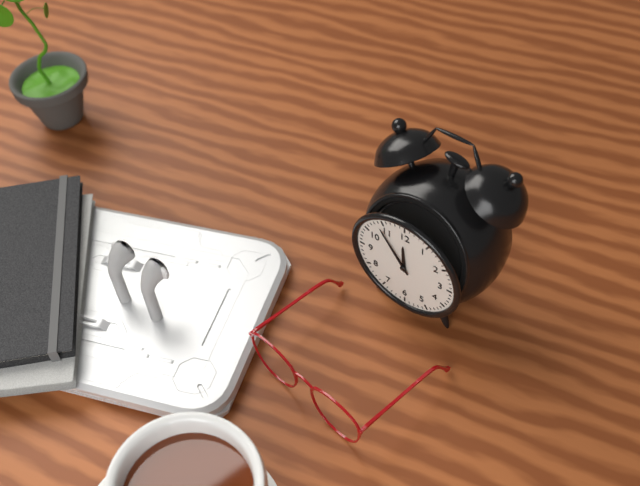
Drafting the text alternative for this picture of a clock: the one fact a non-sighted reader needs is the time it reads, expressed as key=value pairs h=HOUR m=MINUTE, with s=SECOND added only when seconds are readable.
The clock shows h=11 m=54
